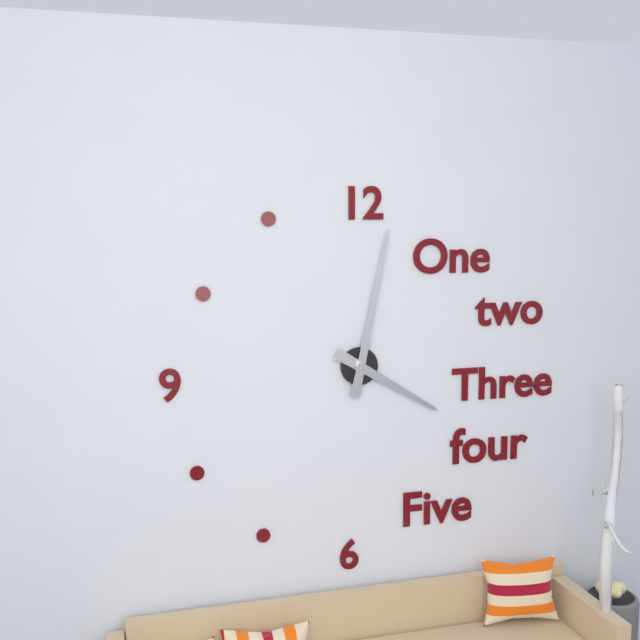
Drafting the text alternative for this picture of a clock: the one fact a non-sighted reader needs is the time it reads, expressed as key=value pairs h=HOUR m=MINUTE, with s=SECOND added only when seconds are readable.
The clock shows h=4 m=2
